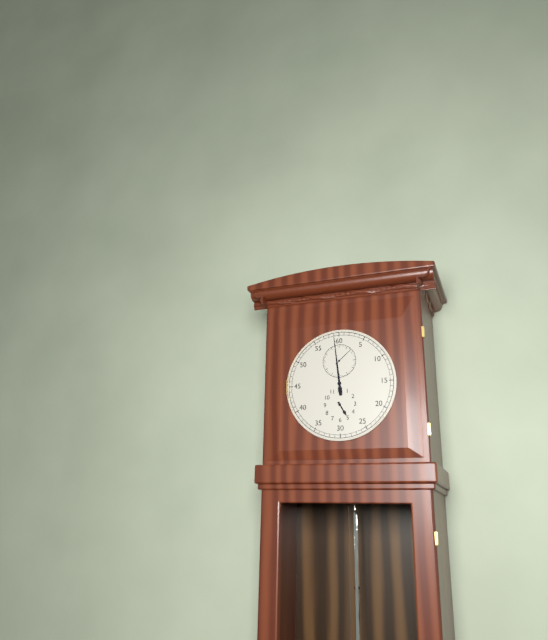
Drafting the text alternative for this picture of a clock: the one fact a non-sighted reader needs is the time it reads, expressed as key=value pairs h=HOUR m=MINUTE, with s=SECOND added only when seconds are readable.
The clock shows h=4 m=59
